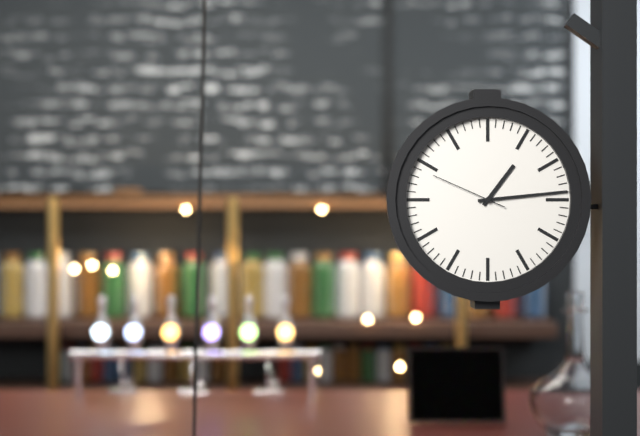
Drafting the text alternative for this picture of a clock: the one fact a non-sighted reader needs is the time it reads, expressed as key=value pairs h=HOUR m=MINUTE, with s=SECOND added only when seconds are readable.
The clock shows h=1 m=14 s=49
